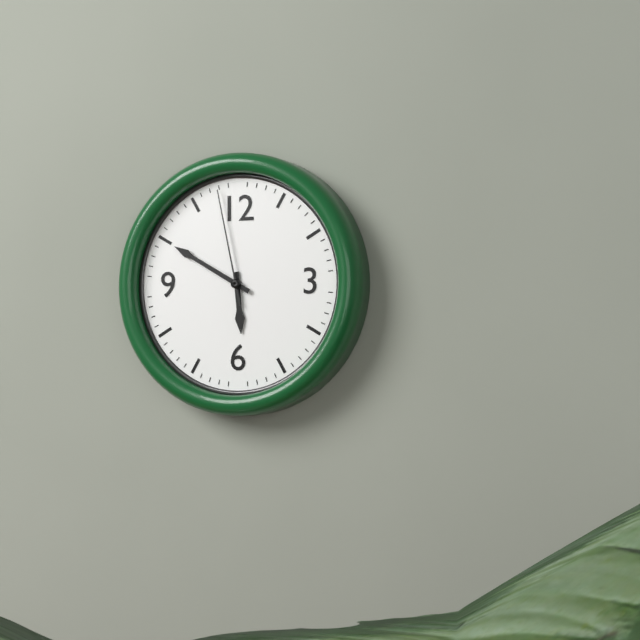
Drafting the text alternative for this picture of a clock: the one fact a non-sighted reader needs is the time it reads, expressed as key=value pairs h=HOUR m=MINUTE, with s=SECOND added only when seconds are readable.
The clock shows h=5 m=50 s=58
